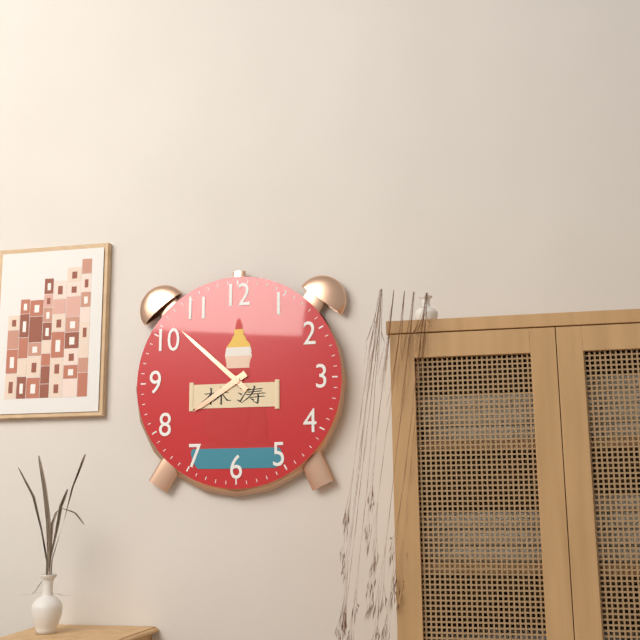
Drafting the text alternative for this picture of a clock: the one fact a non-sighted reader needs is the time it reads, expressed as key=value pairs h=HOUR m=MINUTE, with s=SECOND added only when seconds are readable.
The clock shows h=7 m=52
